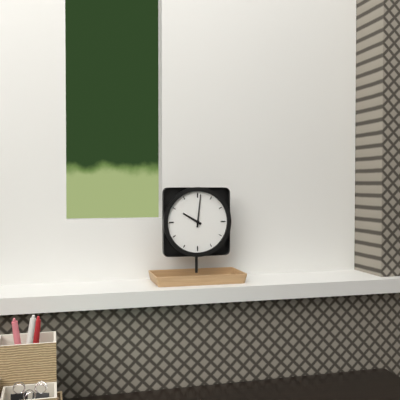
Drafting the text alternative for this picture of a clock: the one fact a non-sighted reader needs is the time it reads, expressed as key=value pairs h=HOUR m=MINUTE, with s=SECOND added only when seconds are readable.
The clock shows h=10 m=1
